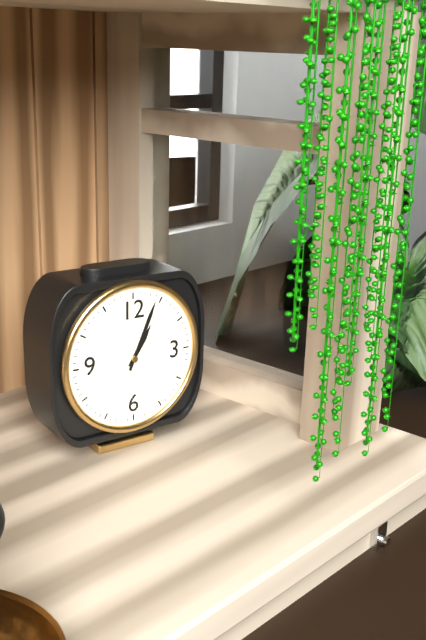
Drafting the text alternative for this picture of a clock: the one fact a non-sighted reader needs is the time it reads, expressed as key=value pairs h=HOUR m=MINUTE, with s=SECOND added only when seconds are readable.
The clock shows h=1 m=4
